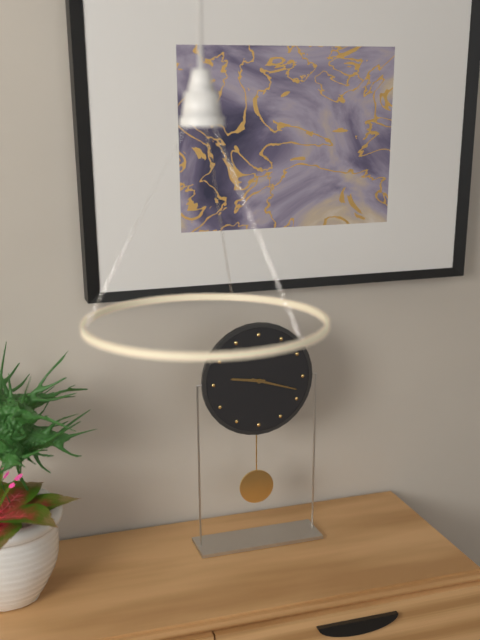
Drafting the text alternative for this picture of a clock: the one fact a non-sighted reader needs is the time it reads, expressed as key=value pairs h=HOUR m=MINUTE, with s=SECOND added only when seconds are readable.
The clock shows h=9 m=18
